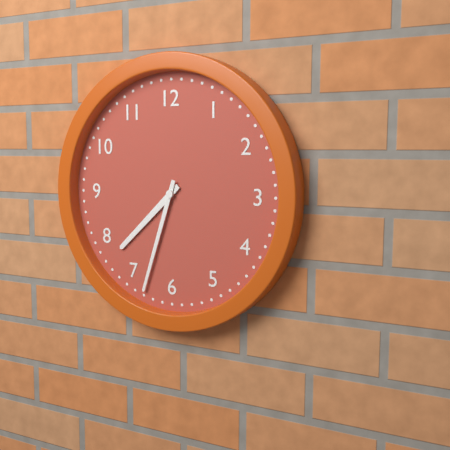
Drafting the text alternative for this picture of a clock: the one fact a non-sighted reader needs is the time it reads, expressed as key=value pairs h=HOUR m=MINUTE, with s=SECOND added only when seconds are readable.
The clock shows h=7 m=33
